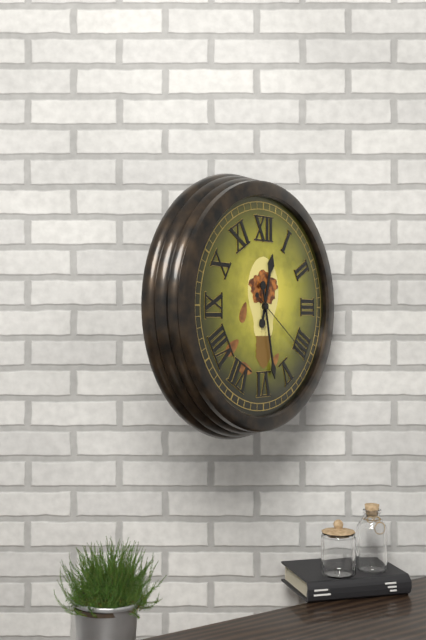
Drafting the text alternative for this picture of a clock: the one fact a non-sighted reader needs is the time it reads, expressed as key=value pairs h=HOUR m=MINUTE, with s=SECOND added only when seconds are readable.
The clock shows h=12 m=28 s=21
